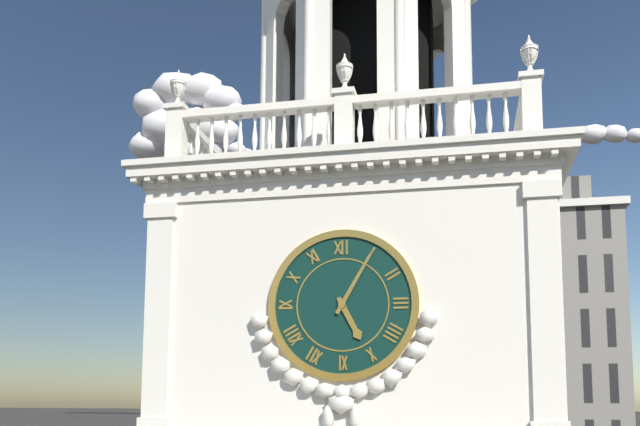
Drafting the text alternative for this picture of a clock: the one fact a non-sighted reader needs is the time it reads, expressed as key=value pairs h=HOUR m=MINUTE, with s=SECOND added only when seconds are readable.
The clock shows h=5 m=5
